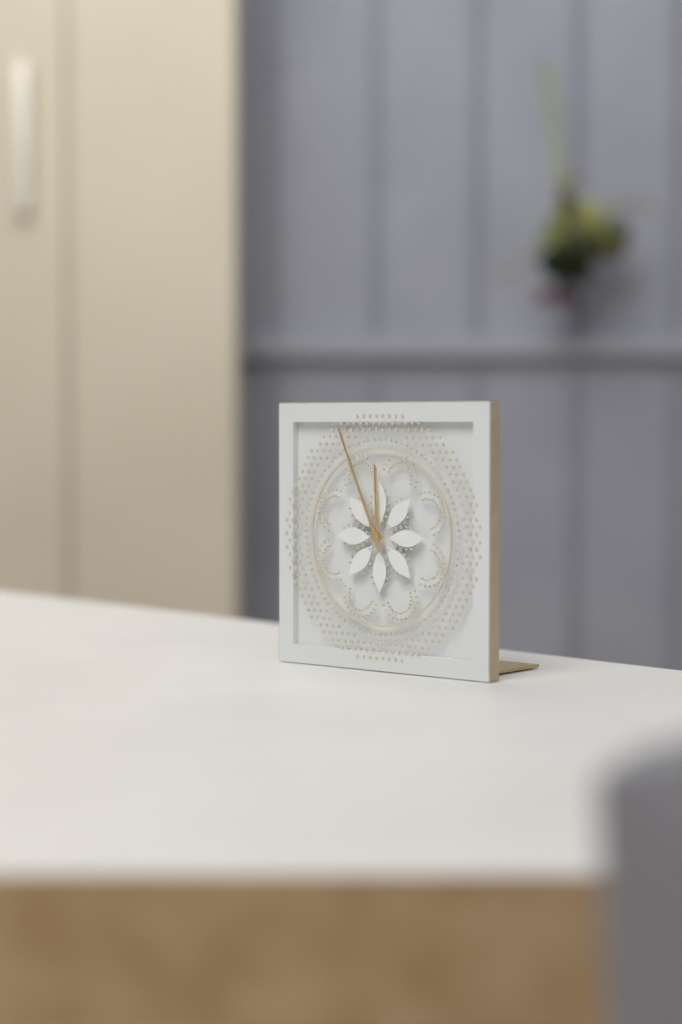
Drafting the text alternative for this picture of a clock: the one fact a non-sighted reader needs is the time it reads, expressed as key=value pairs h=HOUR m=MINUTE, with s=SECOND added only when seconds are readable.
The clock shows h=11 m=56
